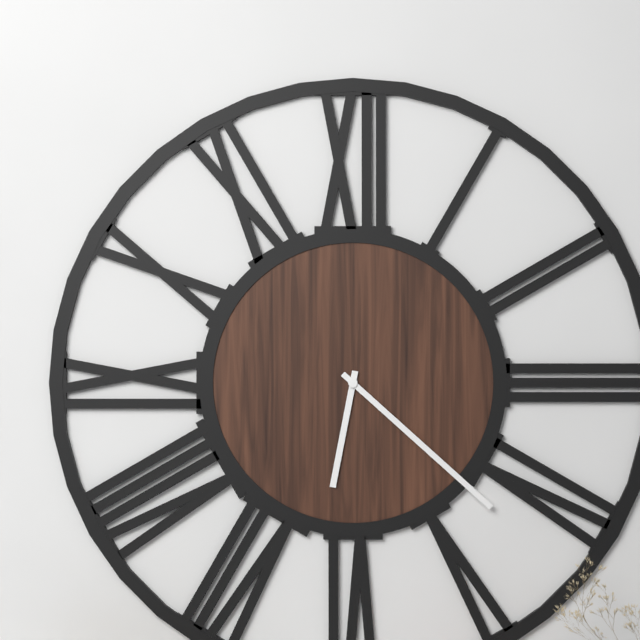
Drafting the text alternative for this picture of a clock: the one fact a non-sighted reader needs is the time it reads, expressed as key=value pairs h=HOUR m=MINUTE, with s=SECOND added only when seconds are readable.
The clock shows h=6 m=22
